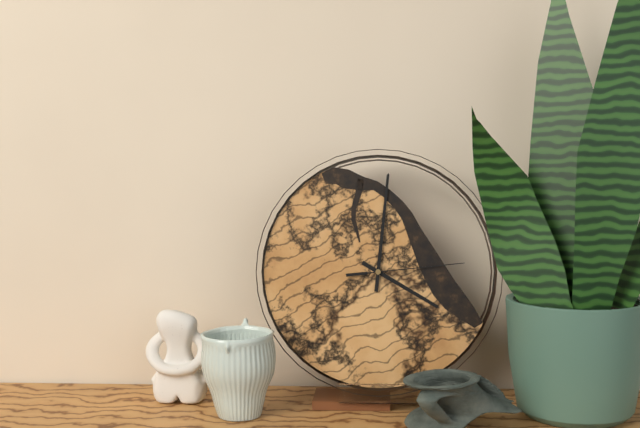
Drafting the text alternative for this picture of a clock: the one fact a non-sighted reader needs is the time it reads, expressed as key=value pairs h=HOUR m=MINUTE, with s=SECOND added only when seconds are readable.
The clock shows h=4 m=1 s=14
